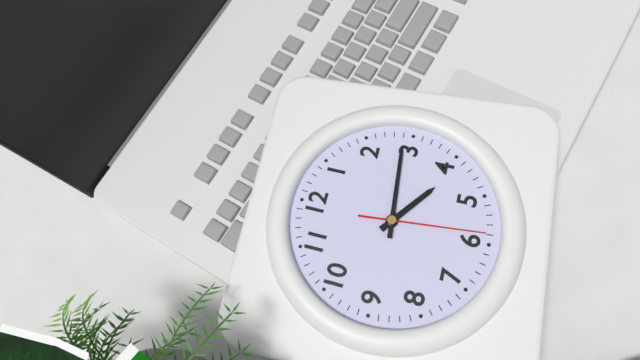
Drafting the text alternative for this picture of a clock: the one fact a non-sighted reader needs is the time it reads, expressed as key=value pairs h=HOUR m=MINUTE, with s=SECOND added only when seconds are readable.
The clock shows h=4 m=14 s=29
